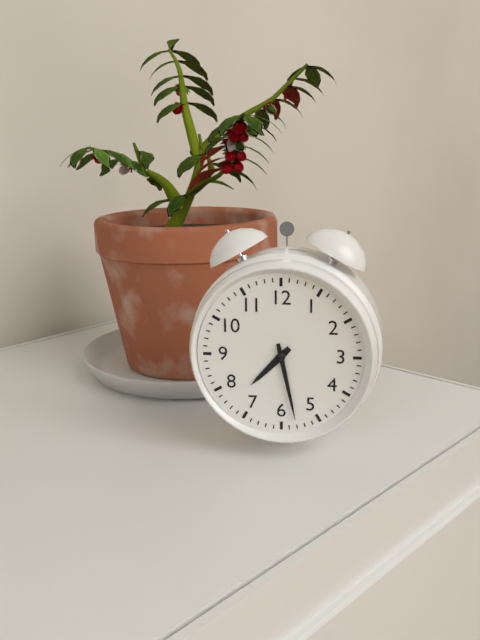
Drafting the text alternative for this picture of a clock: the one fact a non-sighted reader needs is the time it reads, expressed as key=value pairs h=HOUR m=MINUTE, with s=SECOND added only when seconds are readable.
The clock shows h=7 m=28
